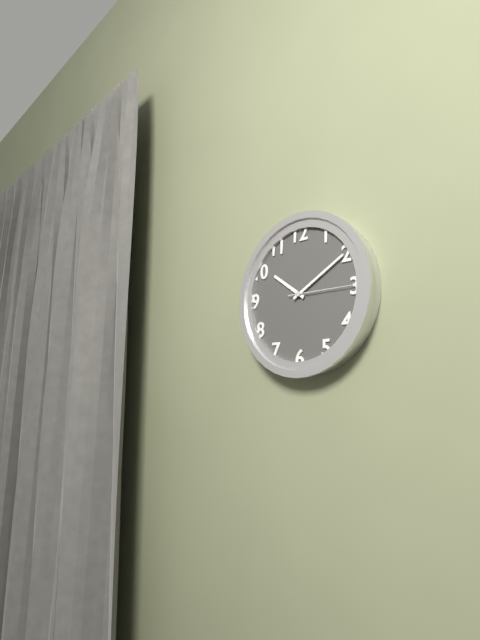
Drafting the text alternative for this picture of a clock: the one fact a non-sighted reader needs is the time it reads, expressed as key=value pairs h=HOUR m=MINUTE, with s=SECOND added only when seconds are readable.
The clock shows h=10 m=10 s=15
